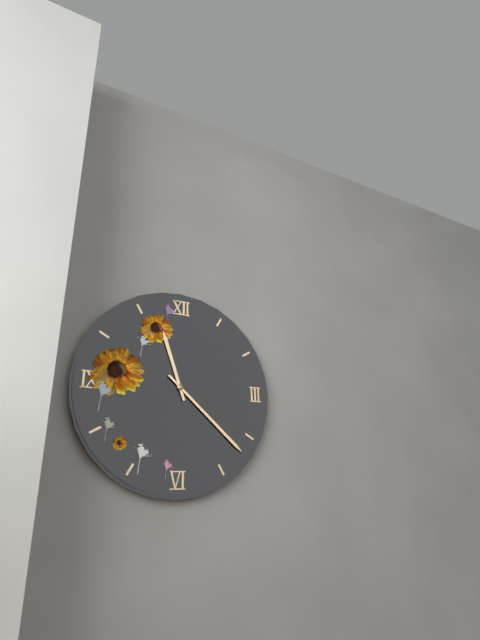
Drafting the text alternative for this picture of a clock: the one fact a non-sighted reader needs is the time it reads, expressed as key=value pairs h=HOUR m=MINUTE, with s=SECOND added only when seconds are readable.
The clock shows h=11 m=22
